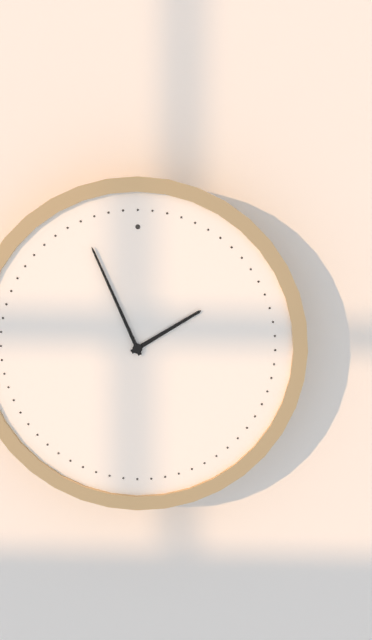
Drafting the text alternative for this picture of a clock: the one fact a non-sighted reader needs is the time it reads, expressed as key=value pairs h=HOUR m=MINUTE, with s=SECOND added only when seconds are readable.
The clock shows h=1 m=56
